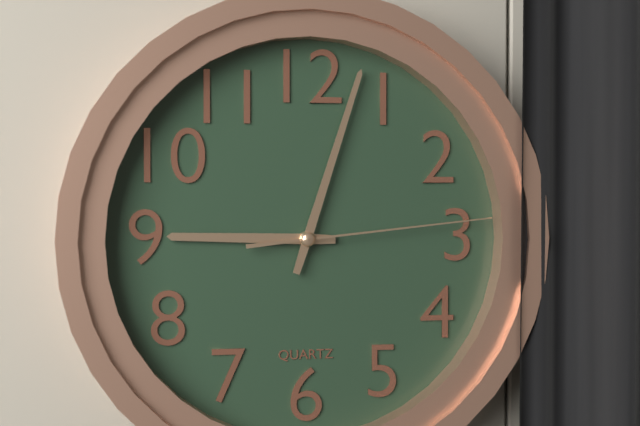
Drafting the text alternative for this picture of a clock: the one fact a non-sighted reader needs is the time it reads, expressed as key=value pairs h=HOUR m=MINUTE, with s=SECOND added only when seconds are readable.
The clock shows h=9 m=3 s=14
